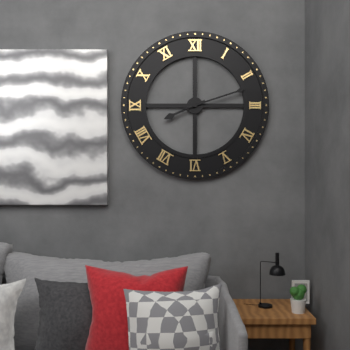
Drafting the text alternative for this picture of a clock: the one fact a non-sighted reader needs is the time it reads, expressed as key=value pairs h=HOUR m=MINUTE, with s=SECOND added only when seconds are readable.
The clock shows h=8 m=12
